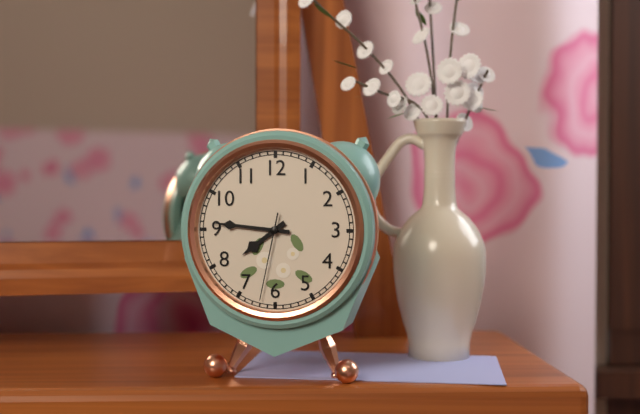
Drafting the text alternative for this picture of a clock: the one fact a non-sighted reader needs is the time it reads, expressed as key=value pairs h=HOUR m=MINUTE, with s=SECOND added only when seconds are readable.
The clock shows h=7 m=46 s=32
